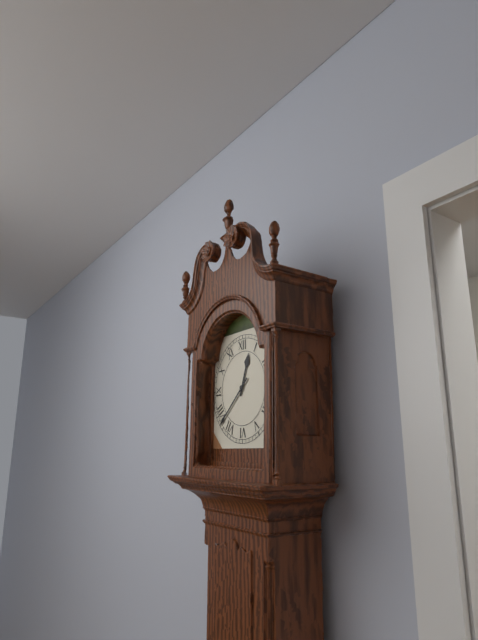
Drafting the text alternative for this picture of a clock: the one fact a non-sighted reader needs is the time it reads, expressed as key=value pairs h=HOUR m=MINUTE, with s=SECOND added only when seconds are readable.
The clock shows h=12 m=38
